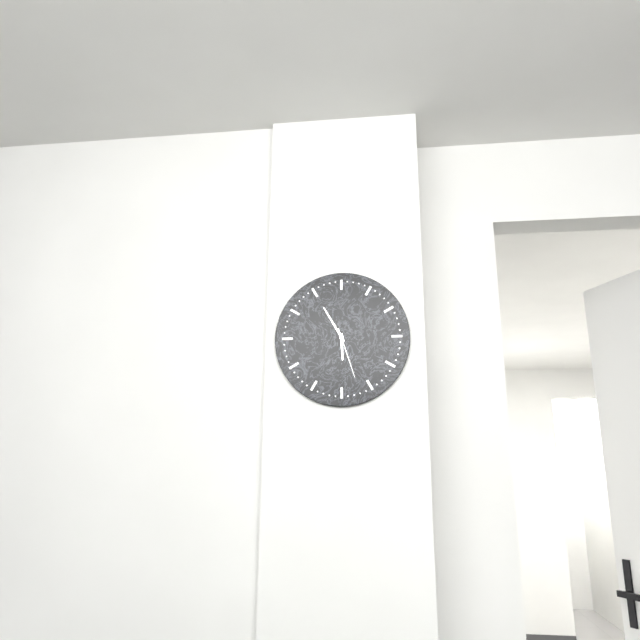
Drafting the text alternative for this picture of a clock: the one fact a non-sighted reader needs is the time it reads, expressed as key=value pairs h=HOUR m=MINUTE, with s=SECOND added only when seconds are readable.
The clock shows h=5 m=55 s=27
